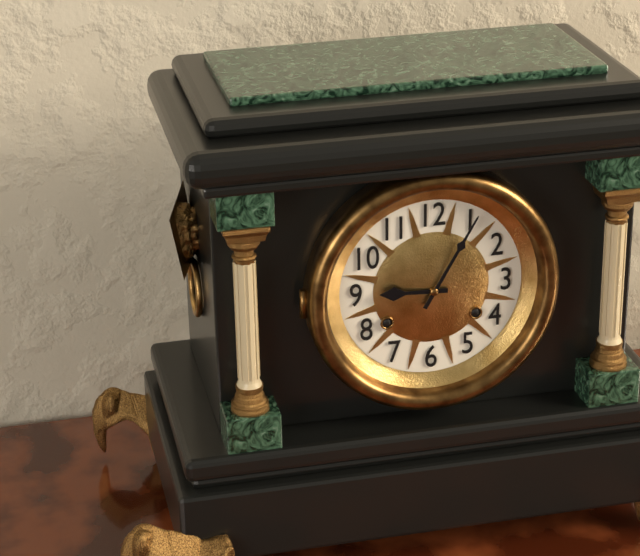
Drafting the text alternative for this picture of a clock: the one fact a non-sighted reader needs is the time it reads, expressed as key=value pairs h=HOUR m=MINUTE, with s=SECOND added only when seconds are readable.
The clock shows h=9 m=5
